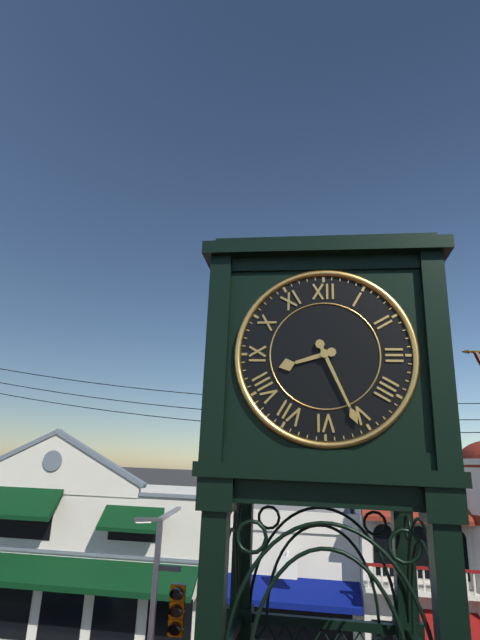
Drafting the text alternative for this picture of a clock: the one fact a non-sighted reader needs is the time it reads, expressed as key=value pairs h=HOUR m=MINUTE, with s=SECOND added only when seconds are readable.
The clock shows h=8 m=26
